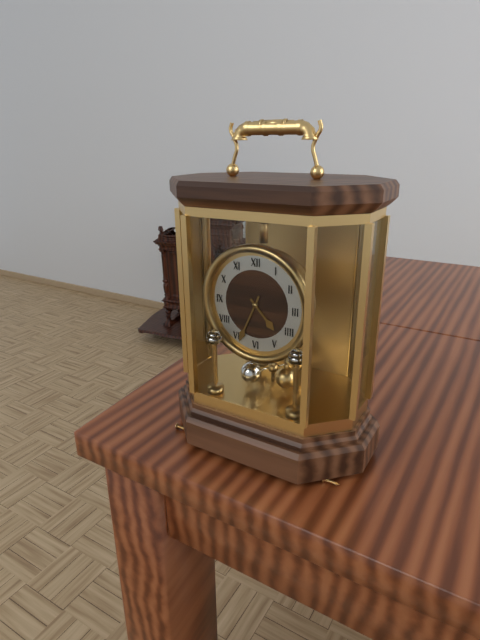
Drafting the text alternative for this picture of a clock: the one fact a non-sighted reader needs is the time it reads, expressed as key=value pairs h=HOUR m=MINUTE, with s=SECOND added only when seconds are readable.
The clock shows h=4 m=34
